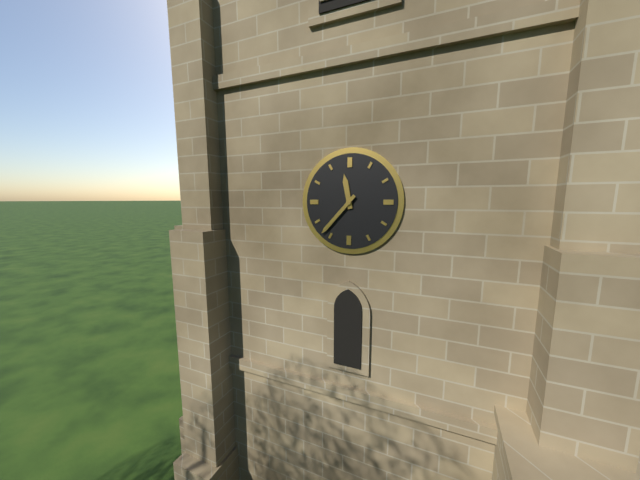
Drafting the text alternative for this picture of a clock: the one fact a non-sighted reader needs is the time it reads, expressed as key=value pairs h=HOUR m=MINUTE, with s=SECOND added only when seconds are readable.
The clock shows h=11 m=37
